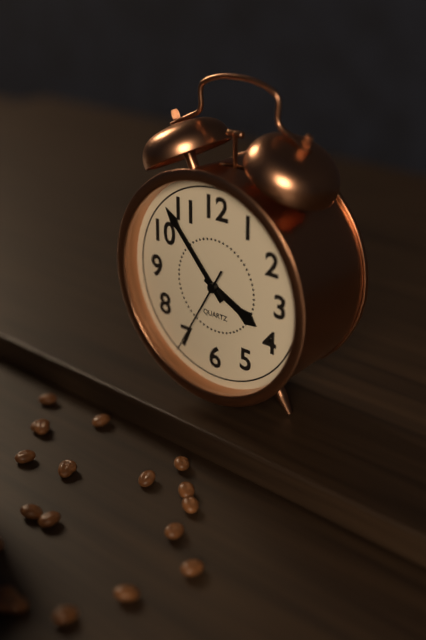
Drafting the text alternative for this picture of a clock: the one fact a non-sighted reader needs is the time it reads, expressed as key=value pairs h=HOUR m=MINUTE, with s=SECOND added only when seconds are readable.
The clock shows h=3 m=53 s=35
